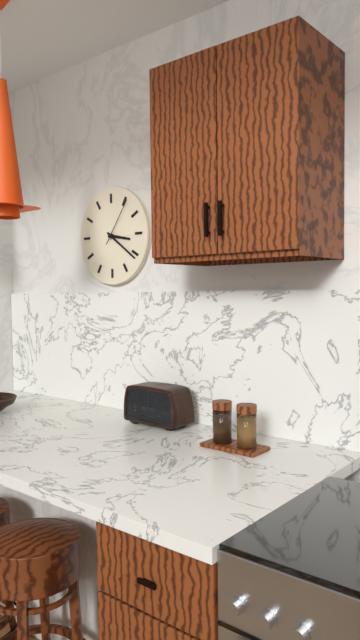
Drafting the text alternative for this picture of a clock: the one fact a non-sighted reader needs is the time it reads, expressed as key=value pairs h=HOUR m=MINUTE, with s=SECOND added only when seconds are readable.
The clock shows h=3 m=21
